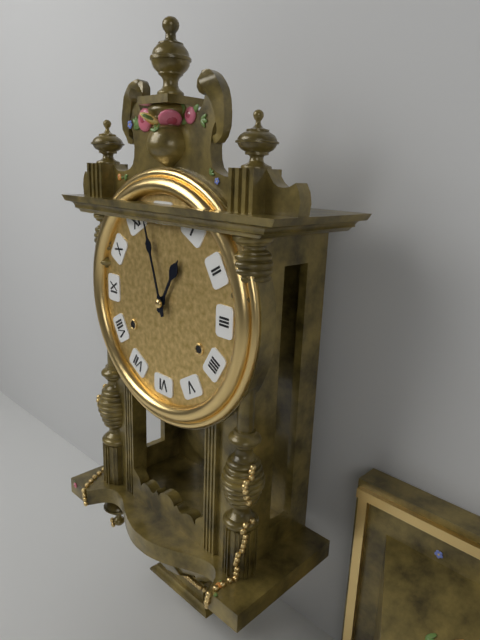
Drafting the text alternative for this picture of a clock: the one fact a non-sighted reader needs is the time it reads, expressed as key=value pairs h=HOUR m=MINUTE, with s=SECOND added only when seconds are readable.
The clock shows h=12 m=57
